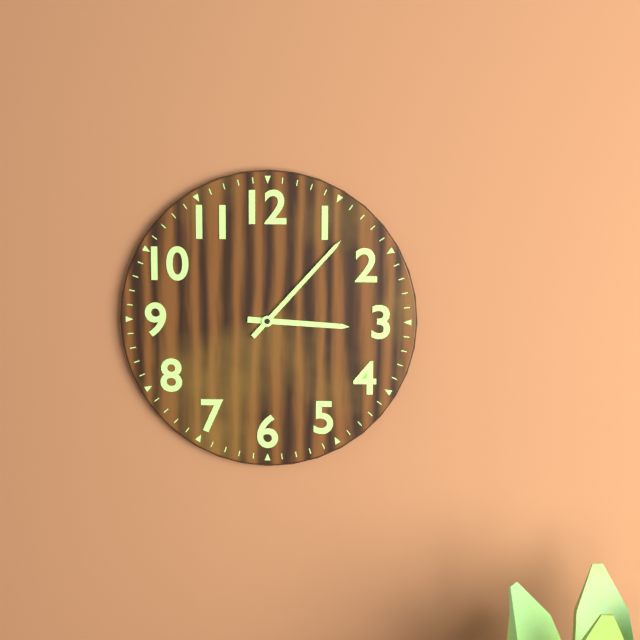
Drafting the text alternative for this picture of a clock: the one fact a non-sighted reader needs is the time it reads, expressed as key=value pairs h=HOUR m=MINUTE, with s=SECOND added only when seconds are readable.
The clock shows h=3 m=7
